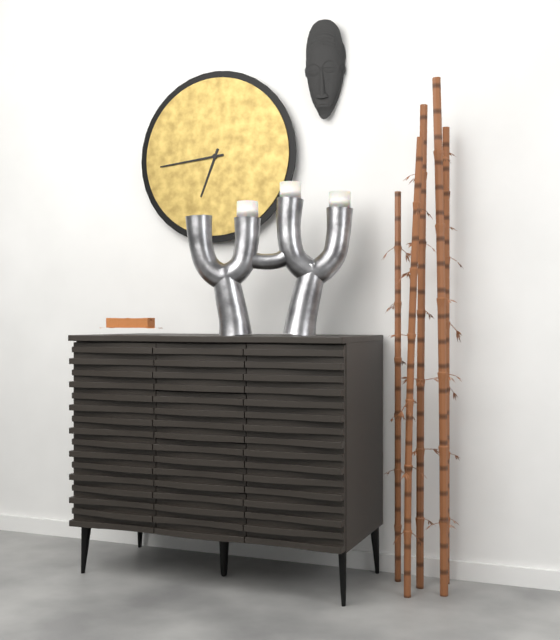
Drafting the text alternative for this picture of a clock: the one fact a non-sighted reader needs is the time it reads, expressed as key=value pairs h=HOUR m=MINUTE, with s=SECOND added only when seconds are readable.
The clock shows h=6 m=44
